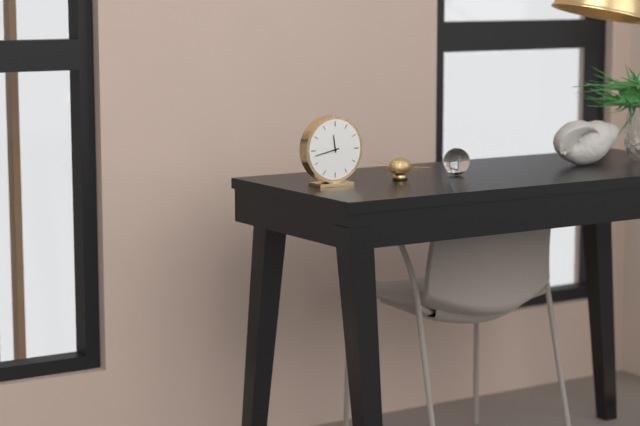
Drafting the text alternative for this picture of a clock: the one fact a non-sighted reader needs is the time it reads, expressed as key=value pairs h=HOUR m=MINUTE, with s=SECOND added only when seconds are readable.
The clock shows h=11 m=43
